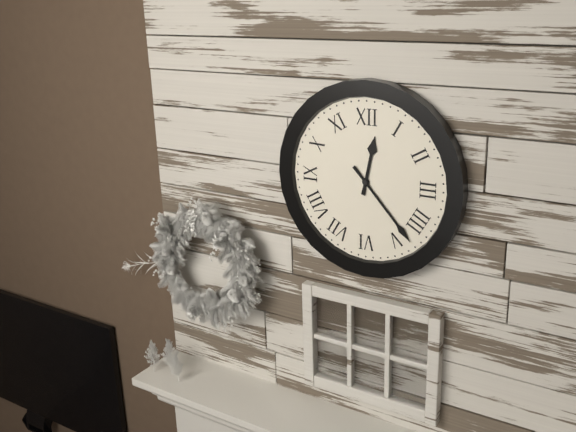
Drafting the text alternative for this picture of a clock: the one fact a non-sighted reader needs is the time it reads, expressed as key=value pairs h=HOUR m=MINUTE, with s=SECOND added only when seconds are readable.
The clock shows h=12 m=23
